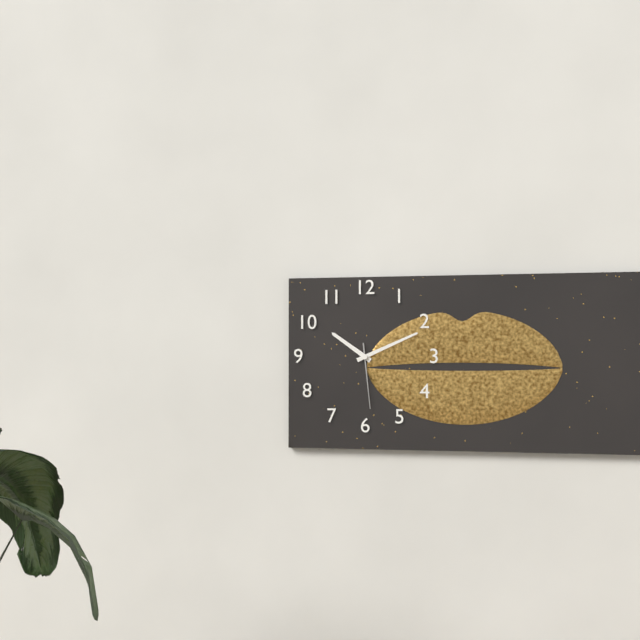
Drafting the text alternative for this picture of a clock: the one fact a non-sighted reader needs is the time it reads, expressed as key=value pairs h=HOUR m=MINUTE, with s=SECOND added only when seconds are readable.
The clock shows h=10 m=11 s=29
